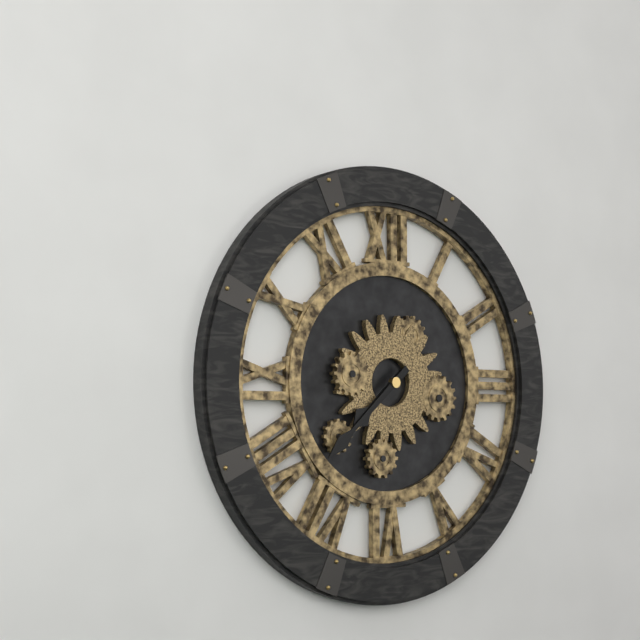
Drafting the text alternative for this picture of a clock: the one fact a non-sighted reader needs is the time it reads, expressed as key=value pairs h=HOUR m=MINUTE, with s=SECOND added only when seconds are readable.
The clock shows h=7 m=38
